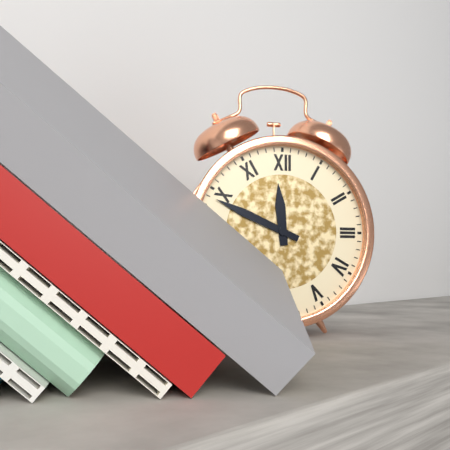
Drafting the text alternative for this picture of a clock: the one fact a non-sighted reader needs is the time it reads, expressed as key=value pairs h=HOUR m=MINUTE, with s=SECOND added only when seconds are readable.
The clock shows h=11 m=49
